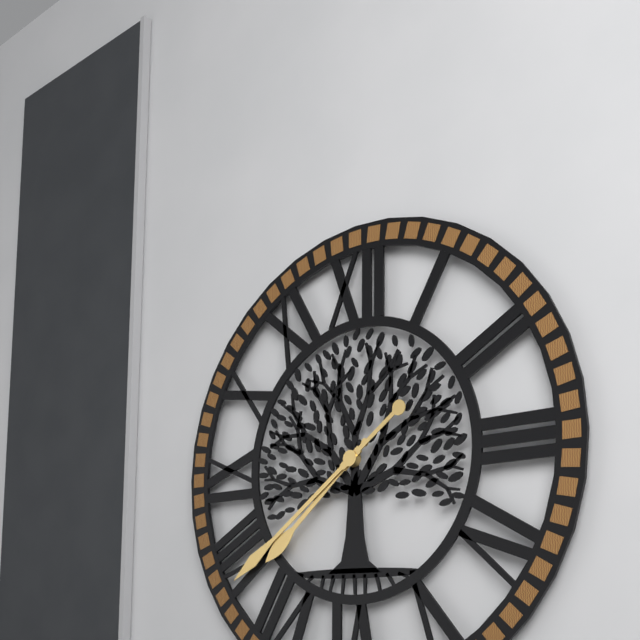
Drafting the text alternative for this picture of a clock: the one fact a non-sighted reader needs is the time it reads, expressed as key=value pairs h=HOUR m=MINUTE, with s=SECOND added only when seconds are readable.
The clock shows h=7 m=39
